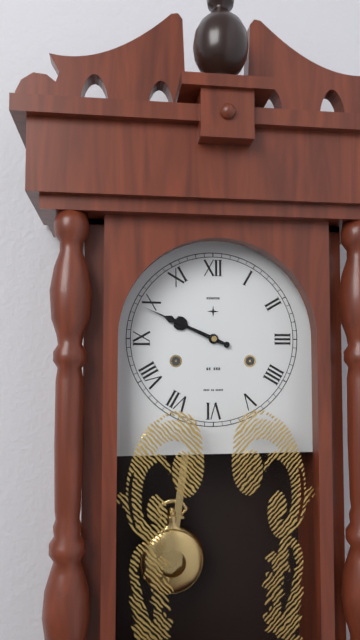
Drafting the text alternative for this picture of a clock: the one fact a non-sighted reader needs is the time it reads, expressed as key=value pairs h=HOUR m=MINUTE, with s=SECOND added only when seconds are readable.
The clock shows h=9 m=49
